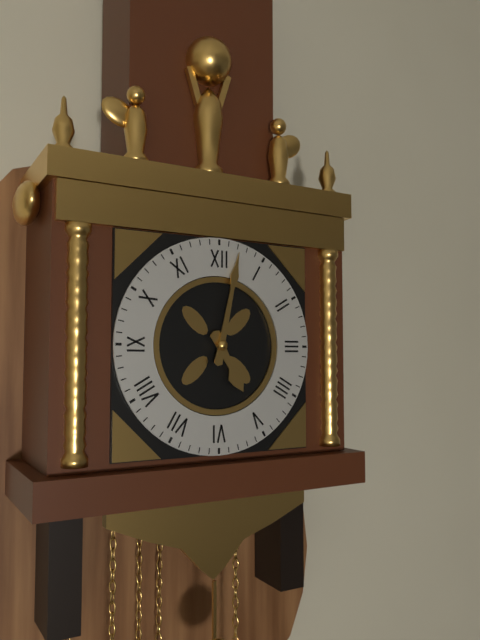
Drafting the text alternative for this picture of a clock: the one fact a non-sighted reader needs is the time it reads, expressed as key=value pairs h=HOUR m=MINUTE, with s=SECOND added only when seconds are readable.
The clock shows h=5 m=2
